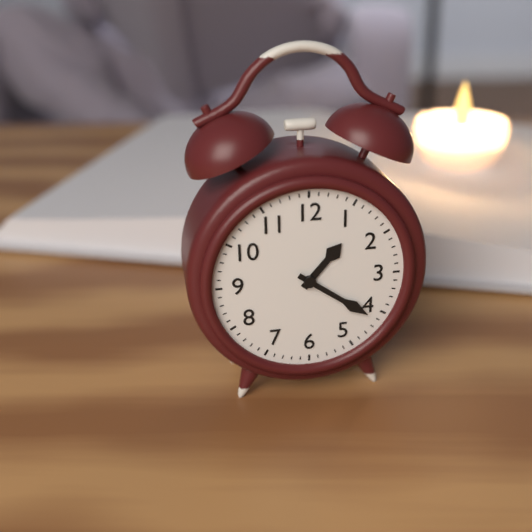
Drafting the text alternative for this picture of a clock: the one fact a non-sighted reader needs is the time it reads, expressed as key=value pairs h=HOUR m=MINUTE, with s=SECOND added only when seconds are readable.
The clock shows h=1 m=21
